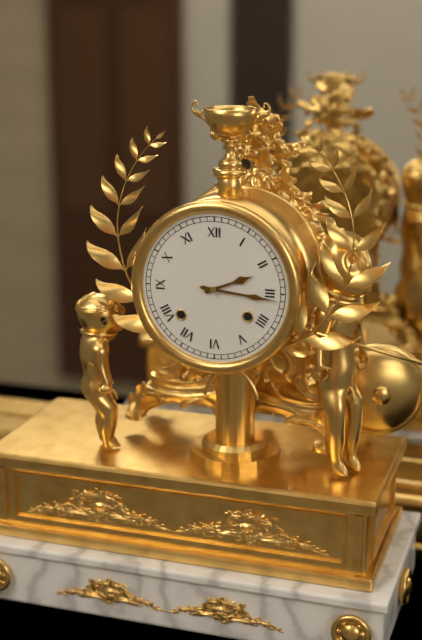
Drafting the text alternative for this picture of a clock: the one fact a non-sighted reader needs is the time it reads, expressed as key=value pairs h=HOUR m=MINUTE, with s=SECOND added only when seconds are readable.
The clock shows h=2 m=16
